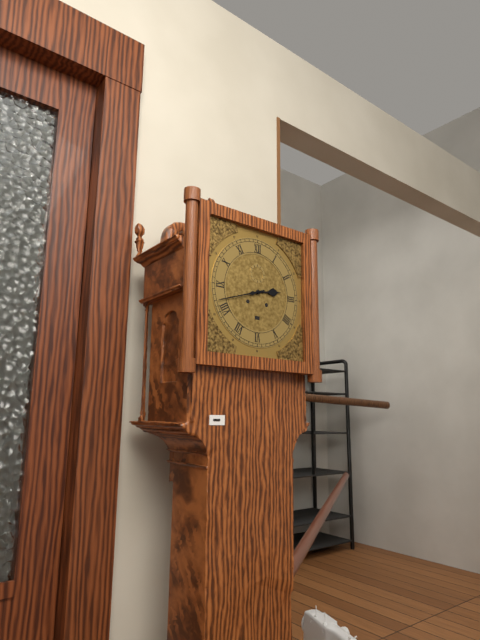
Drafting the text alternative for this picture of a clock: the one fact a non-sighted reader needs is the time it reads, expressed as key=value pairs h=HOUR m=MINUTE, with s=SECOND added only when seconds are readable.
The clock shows h=2 m=42
